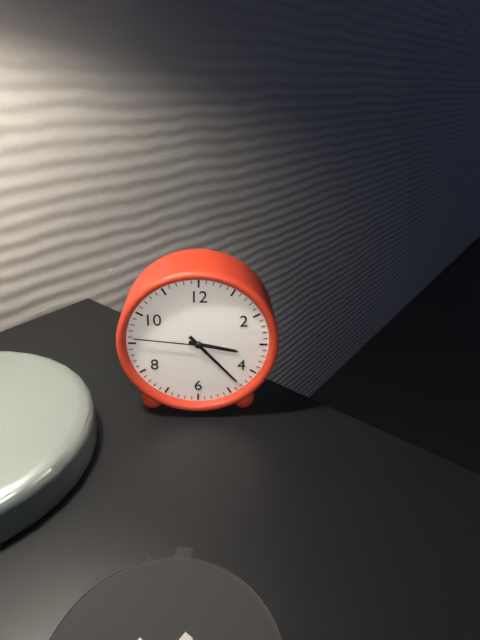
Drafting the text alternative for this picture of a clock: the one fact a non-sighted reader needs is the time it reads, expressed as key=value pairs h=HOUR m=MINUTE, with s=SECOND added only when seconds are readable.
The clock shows h=3 m=23 s=46
